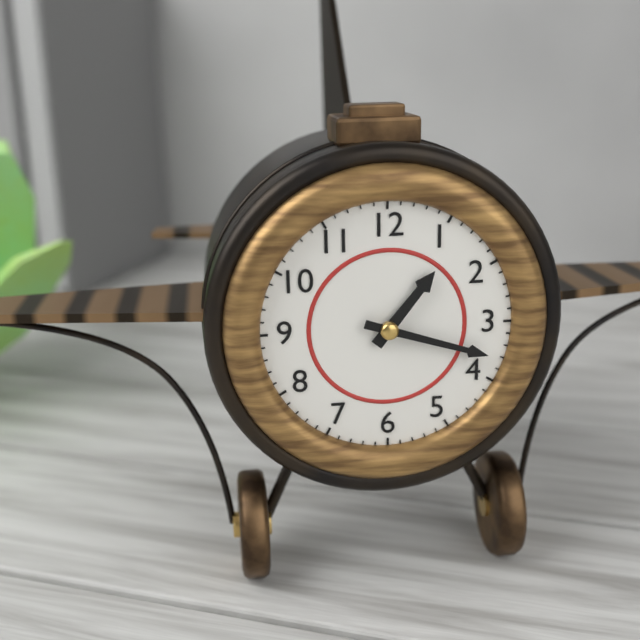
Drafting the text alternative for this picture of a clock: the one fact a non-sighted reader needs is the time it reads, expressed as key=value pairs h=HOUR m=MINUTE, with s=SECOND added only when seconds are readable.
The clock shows h=1 m=18
